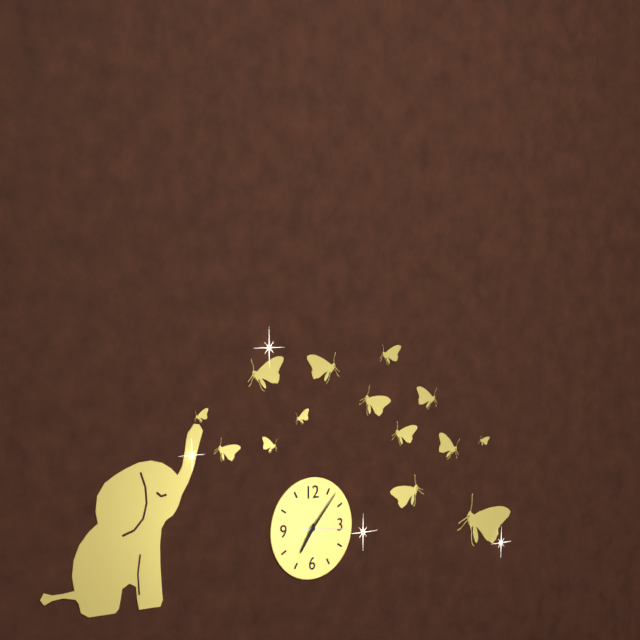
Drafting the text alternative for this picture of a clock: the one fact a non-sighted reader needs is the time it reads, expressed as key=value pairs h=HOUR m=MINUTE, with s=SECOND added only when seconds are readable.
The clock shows h=7 m=7
